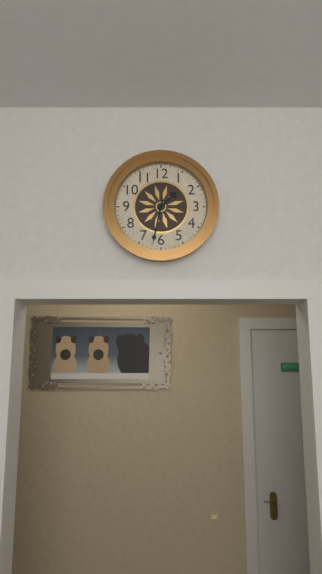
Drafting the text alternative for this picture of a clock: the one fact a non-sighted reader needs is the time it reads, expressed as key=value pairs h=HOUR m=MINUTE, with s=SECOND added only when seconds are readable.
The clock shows h=1 m=32
